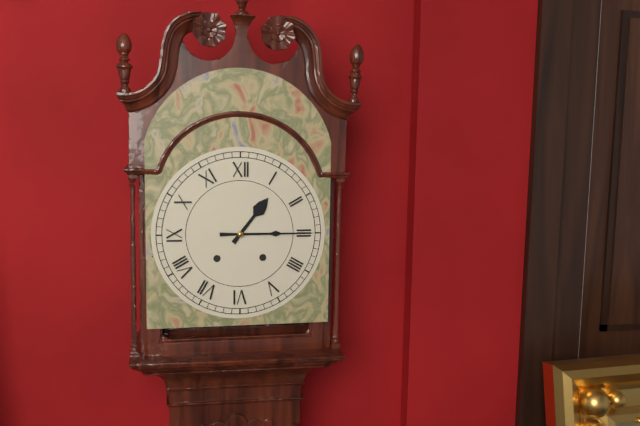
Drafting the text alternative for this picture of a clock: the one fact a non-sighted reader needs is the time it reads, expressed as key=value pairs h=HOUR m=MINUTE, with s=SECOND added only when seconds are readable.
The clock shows h=1 m=15
